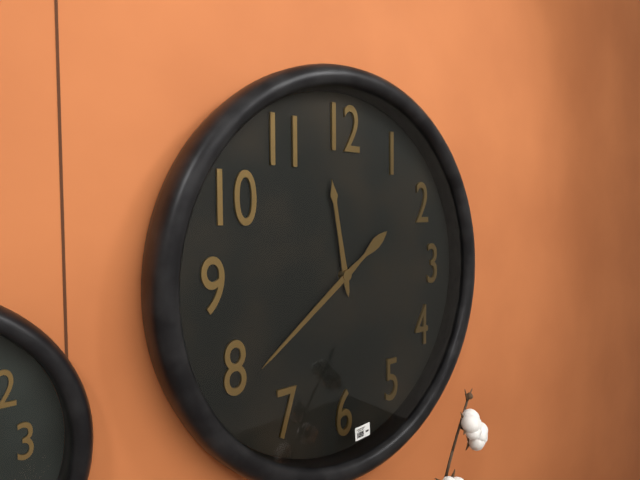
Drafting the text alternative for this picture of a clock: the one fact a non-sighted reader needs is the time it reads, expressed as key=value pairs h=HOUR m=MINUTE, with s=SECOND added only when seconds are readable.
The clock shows h=11 m=39
